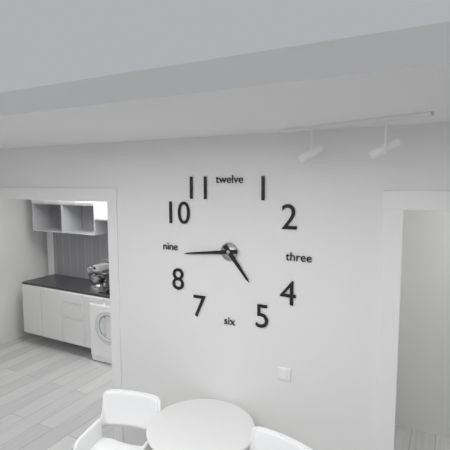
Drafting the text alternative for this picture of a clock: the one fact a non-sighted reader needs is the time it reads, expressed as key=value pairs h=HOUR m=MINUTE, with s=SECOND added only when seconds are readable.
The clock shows h=4 m=44
